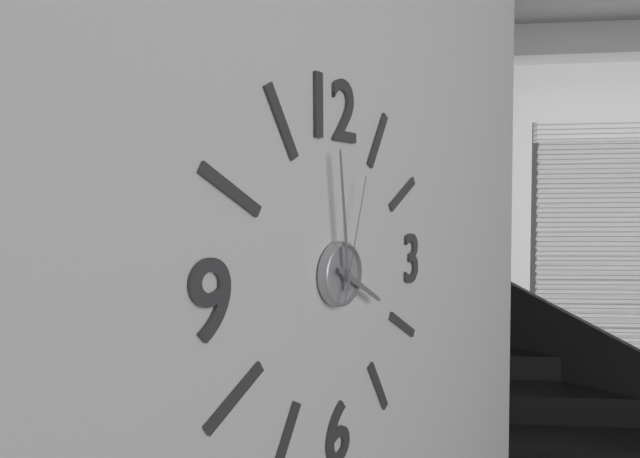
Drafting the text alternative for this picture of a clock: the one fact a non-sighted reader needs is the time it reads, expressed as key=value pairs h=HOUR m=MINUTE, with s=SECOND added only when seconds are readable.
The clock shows h=3 m=59 s=3
